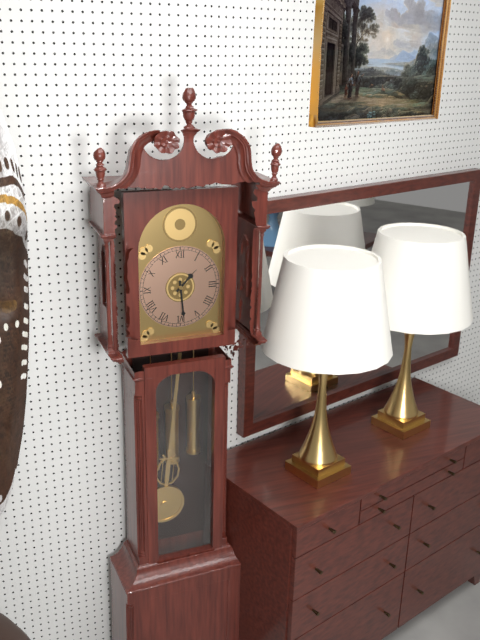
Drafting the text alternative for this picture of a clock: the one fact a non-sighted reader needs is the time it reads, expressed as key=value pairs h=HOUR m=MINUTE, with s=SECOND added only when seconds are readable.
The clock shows h=1 m=29
